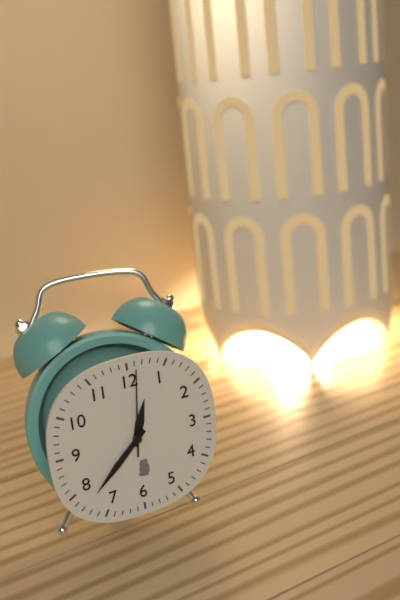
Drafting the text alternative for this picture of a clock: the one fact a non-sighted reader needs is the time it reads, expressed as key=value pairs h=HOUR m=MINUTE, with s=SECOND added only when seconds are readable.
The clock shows h=12 m=38 s=1
